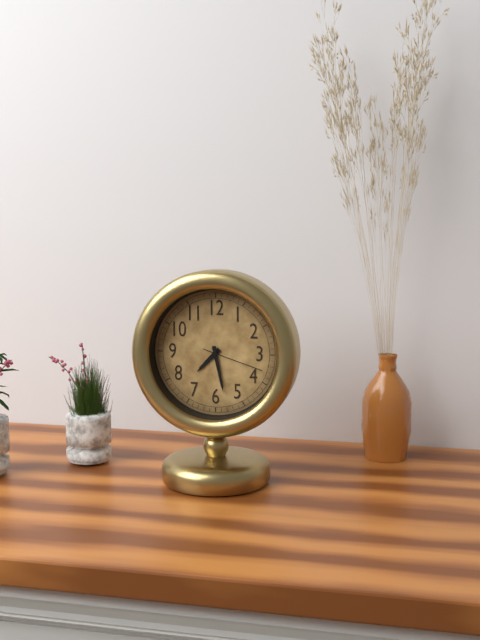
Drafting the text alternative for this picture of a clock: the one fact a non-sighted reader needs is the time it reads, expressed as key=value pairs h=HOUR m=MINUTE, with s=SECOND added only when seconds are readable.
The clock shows h=7 m=28 s=18
